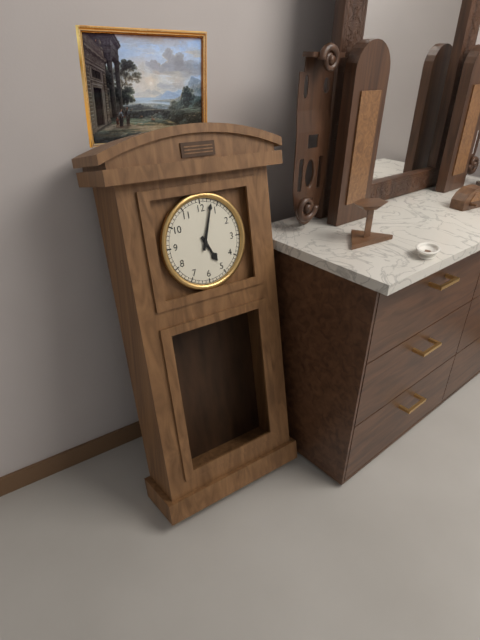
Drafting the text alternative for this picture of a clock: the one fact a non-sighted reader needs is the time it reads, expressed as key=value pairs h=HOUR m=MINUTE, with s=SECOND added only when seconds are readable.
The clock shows h=5 m=3
